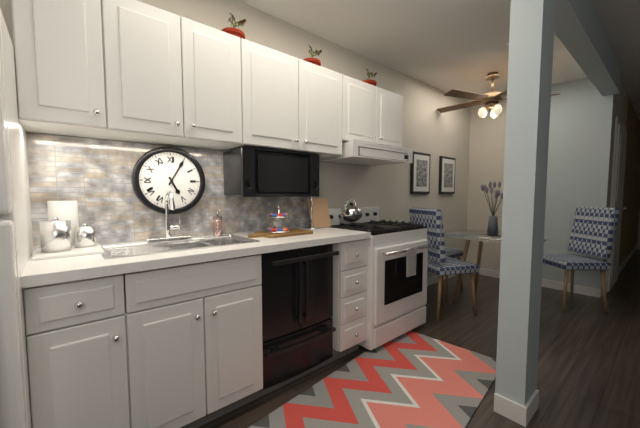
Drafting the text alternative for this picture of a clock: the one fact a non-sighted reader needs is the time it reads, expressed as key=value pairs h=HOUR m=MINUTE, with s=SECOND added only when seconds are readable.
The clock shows h=5 m=5
